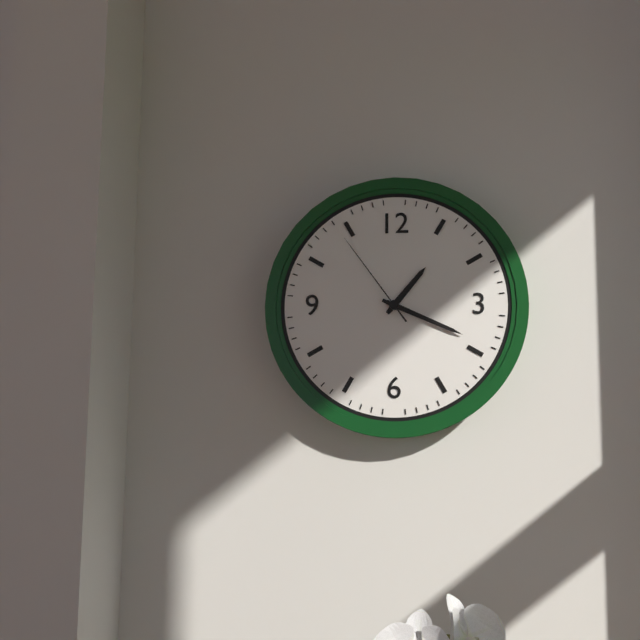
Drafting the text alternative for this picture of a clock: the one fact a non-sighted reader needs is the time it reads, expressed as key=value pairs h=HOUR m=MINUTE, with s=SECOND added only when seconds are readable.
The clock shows h=1 m=19 s=54
